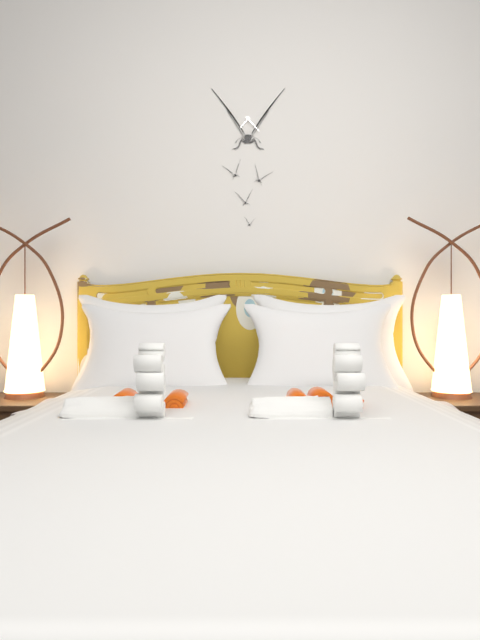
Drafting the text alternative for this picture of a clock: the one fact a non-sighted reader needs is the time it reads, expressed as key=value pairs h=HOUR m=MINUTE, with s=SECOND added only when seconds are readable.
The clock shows h=7 m=23
